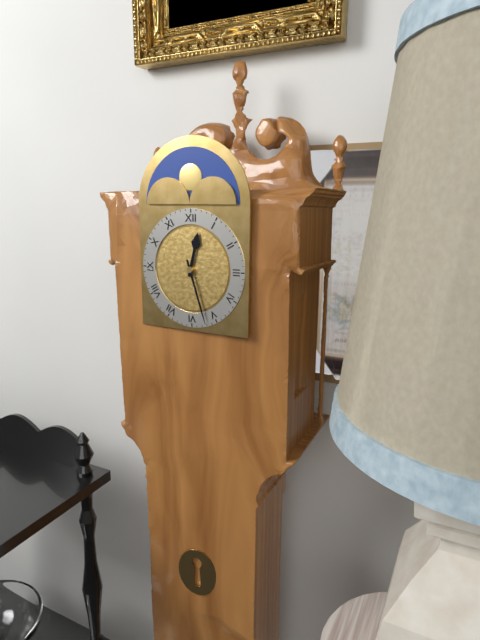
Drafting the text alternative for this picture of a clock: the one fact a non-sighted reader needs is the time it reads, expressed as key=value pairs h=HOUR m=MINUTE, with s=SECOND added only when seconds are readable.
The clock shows h=12 m=27
